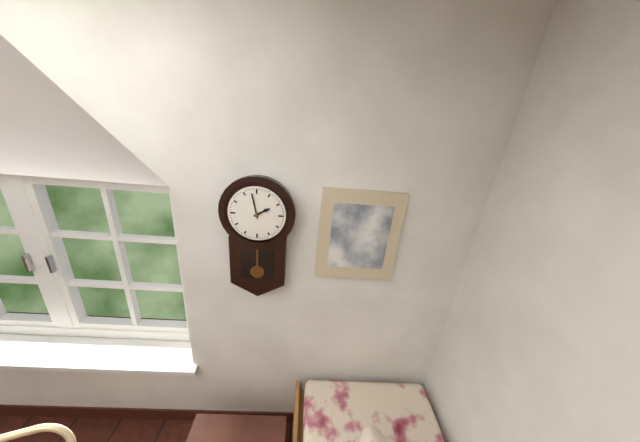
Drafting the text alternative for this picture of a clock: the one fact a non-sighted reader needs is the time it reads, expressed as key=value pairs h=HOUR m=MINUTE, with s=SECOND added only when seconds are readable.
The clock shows h=1 m=58
